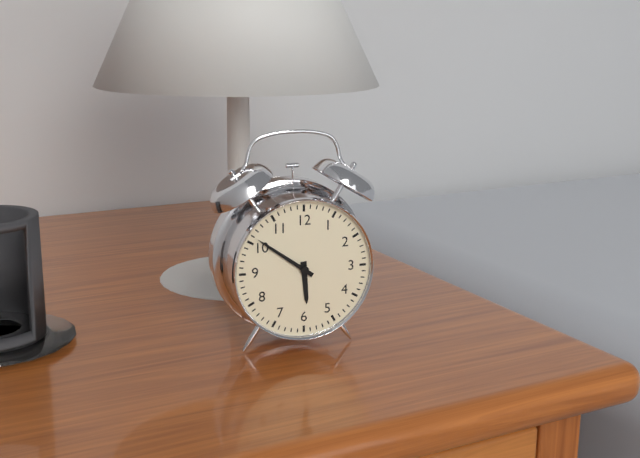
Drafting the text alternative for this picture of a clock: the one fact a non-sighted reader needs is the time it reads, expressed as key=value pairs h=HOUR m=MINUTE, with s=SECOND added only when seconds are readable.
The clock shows h=5 m=51
